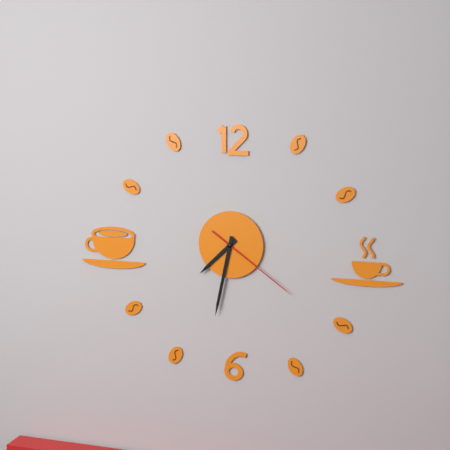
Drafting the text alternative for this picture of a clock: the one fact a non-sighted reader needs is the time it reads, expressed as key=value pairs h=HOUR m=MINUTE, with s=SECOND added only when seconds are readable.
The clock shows h=7 m=32 s=21
